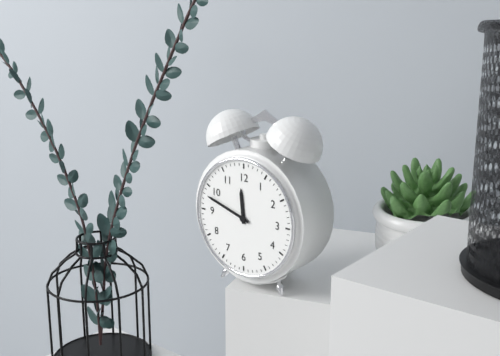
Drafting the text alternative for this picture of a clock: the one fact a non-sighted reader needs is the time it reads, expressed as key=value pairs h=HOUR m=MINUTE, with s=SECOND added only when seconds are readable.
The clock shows h=11 m=48
